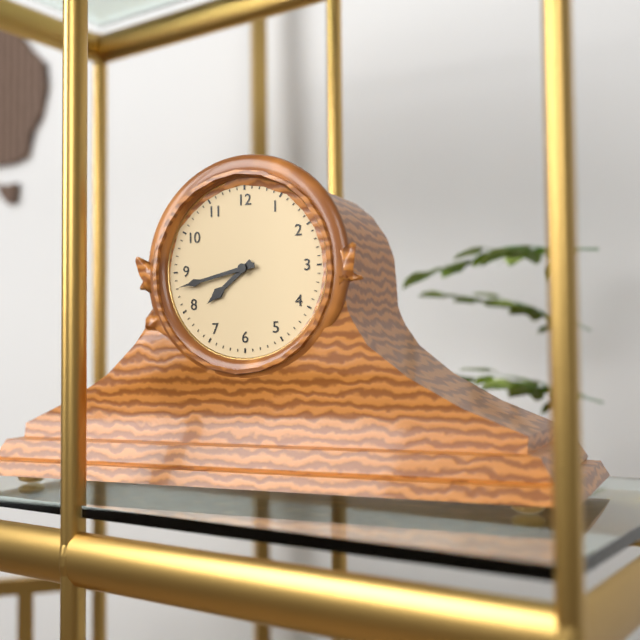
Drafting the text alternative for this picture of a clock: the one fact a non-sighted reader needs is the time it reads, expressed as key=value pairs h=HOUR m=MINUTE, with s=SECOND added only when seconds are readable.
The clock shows h=7 m=43
